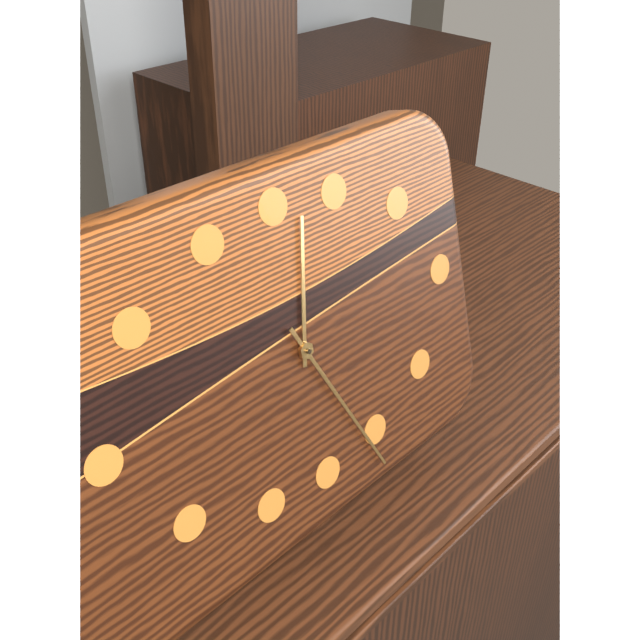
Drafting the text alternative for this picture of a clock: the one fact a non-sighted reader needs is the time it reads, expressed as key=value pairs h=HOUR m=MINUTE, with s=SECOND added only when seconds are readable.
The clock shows h=12 m=26
